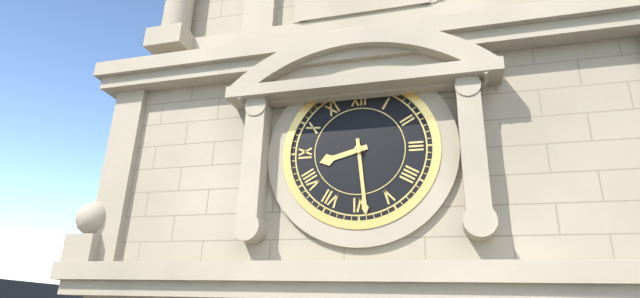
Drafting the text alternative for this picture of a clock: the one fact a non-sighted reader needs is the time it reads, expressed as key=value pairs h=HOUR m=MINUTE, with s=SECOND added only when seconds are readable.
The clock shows h=8 m=29
